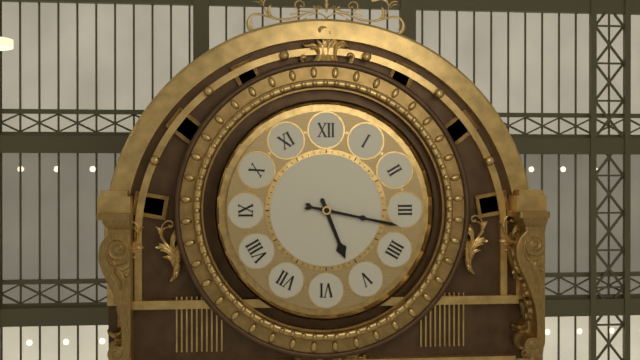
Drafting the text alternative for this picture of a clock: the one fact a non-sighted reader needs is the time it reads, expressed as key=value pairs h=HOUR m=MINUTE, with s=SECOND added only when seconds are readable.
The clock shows h=5 m=17
